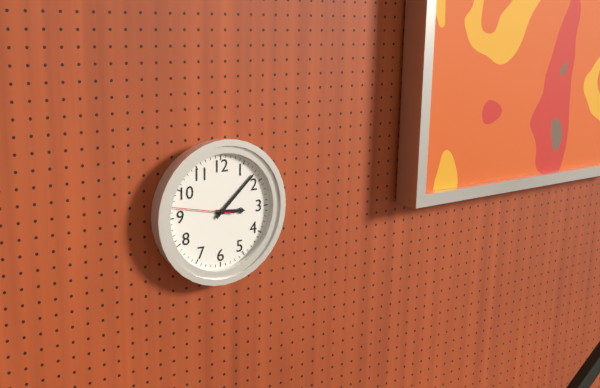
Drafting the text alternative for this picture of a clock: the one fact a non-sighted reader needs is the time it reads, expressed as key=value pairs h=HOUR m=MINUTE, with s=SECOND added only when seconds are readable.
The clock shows h=3 m=8 s=47
